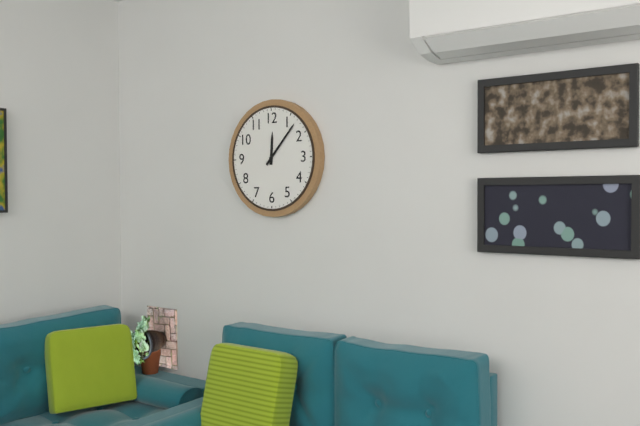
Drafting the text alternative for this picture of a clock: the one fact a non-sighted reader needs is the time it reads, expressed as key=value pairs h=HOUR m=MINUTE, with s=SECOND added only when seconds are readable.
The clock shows h=12 m=7
